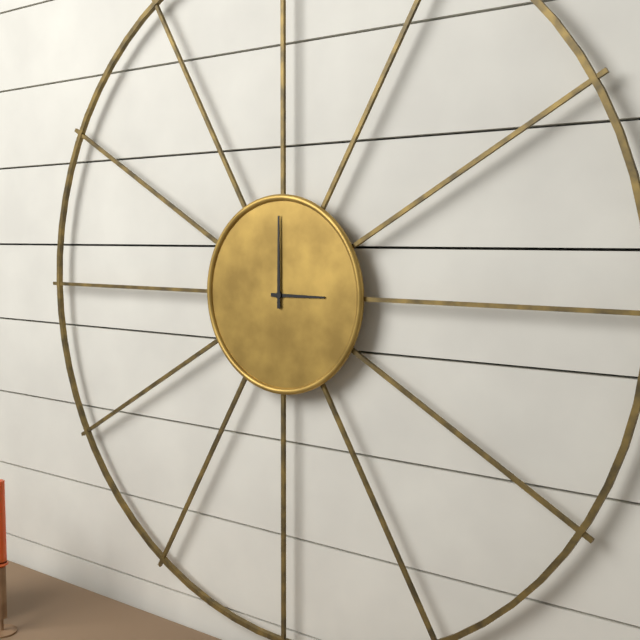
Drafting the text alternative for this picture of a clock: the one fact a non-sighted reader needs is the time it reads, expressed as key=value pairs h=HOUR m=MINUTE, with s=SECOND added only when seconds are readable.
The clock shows h=3 m=0
